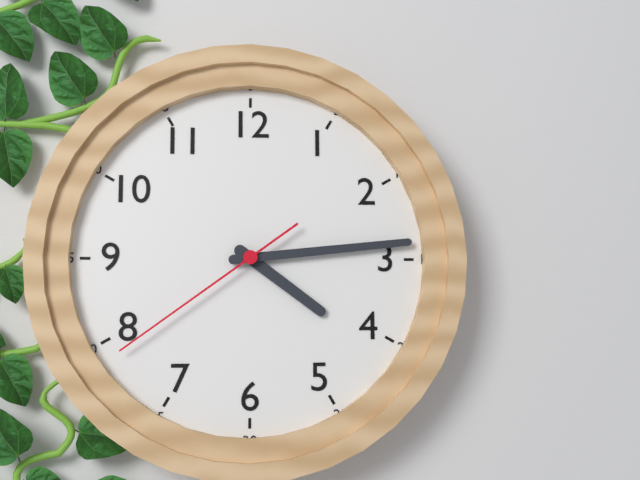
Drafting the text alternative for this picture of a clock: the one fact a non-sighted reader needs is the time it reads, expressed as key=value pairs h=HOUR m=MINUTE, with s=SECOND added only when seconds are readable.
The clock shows h=4 m=14 s=39
